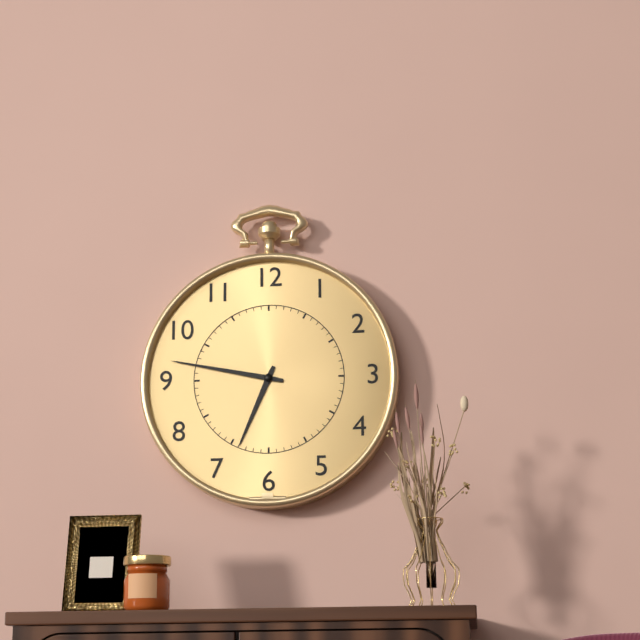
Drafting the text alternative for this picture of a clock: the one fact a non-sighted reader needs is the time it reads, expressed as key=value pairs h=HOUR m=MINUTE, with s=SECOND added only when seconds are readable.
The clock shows h=6 m=47
